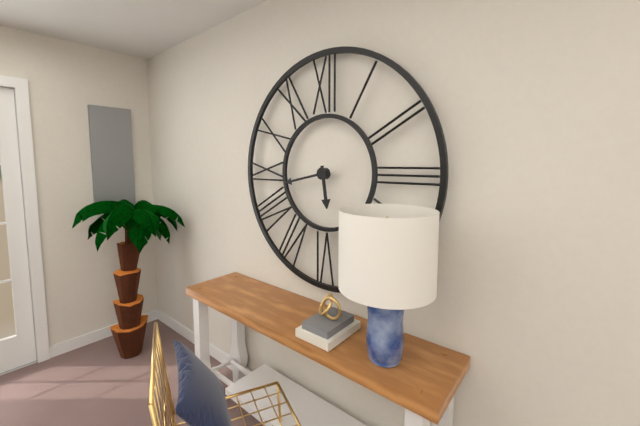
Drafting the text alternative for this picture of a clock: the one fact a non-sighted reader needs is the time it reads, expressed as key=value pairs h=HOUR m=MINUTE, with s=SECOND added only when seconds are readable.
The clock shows h=5 m=43
